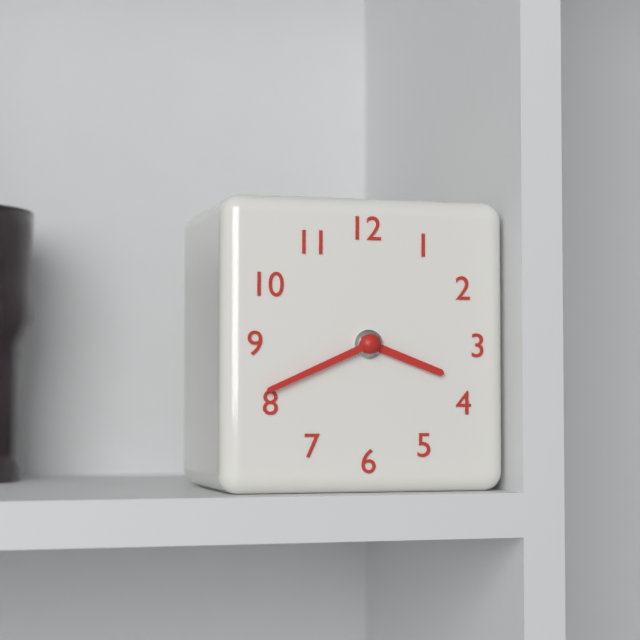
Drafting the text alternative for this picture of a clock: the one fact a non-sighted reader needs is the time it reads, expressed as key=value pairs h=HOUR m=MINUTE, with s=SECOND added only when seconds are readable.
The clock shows h=3 m=41
